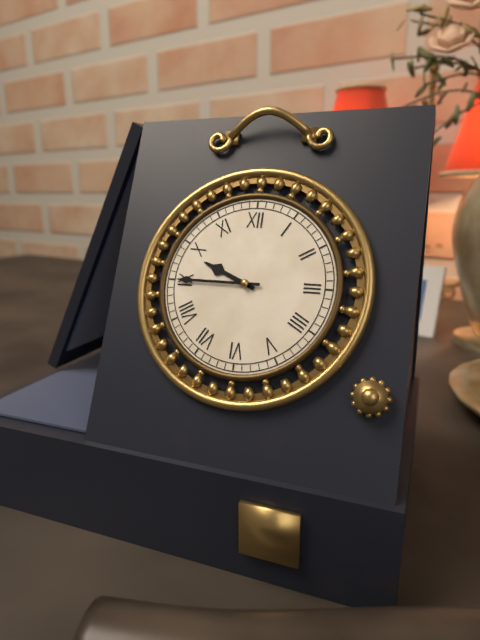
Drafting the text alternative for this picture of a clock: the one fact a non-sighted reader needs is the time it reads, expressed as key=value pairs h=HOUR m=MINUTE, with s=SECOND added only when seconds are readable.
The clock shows h=9 m=45
